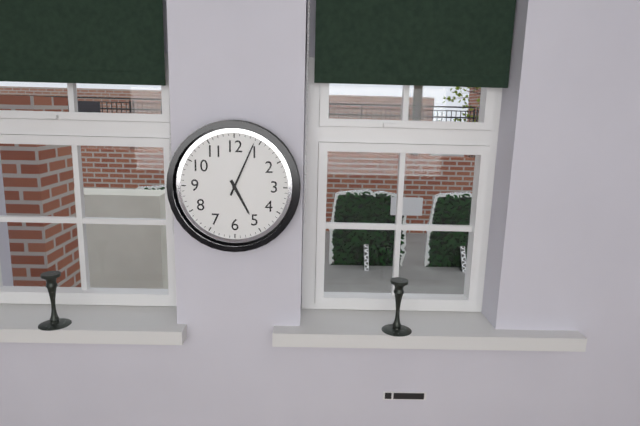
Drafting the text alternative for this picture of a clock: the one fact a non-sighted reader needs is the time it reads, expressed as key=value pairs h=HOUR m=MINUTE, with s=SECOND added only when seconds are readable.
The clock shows h=5 m=4
